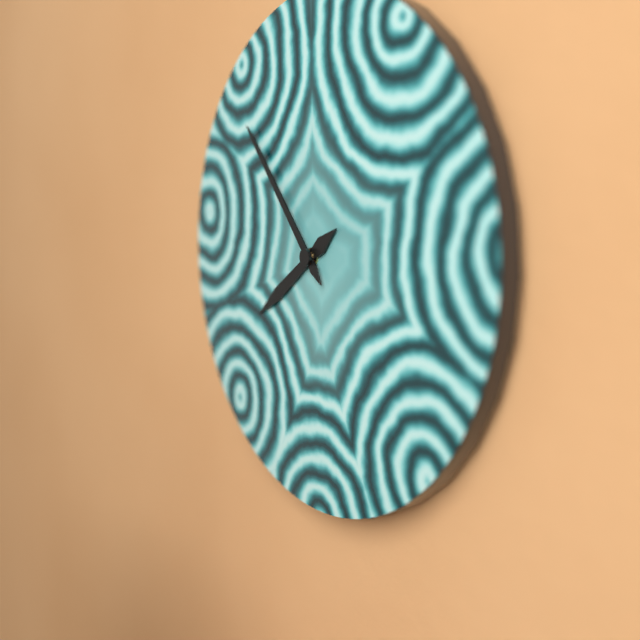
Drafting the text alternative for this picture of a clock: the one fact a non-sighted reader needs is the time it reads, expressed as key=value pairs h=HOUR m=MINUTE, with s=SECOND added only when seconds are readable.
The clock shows h=7 m=53
